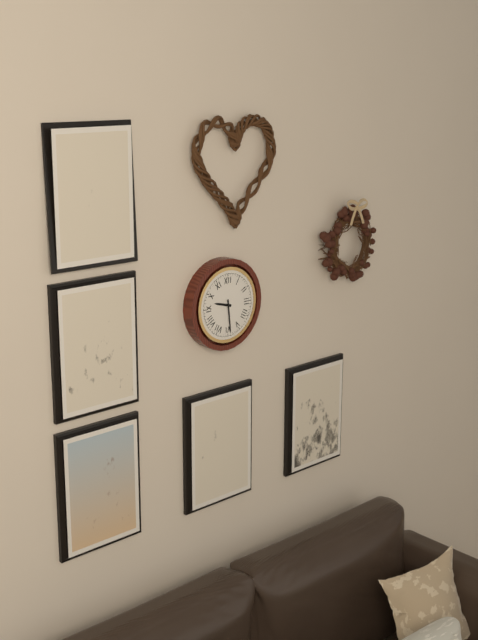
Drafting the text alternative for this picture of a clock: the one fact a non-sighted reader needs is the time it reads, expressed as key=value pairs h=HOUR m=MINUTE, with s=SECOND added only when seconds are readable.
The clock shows h=9 m=29
